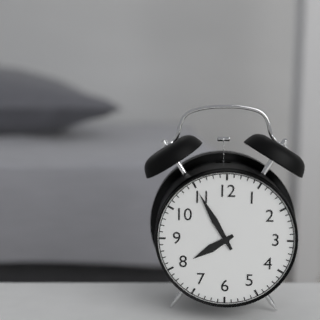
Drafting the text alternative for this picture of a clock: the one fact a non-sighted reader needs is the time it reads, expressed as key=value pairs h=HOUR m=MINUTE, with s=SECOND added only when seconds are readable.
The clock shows h=7 m=55
